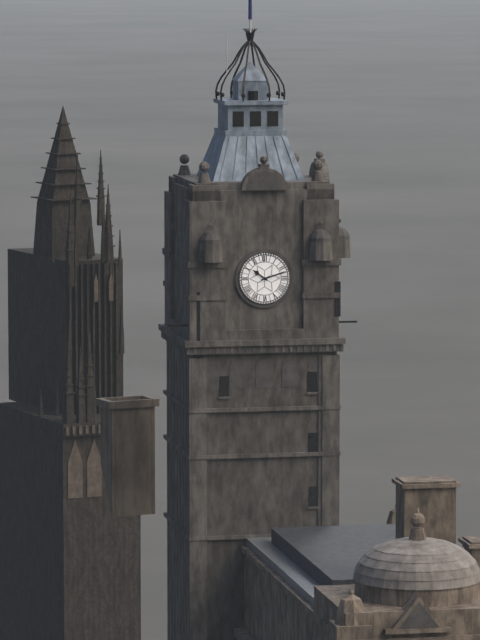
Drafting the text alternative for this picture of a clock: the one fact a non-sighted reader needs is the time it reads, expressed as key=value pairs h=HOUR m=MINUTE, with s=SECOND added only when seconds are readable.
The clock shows h=10 m=12
